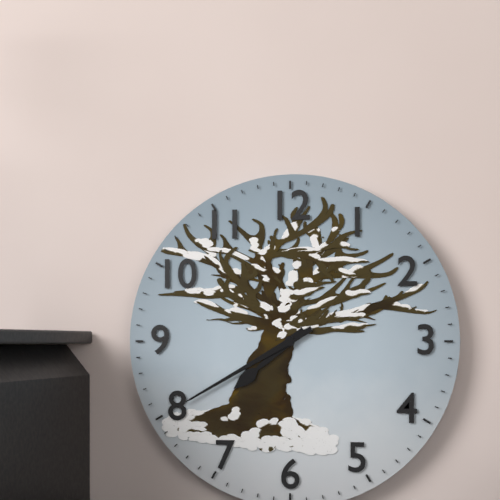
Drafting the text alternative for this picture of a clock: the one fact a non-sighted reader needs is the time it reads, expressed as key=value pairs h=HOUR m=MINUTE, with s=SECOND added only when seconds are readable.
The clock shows h=7 m=40
